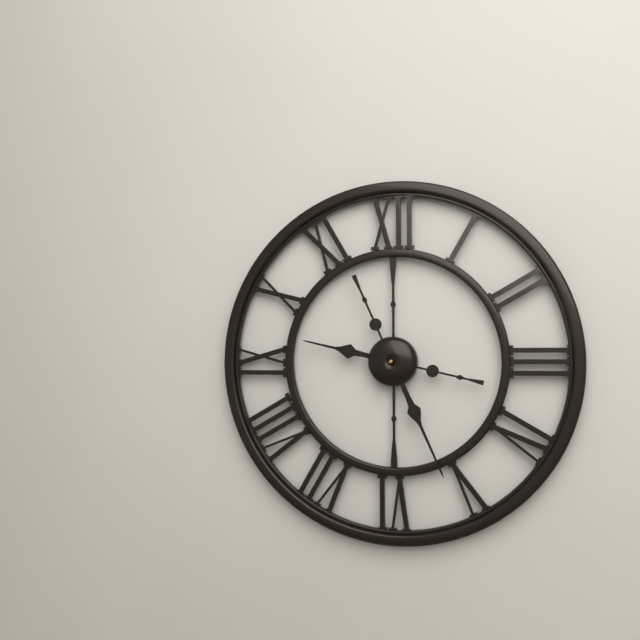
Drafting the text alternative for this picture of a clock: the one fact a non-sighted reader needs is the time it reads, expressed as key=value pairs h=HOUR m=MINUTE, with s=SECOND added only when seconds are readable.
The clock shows h=9 m=26
